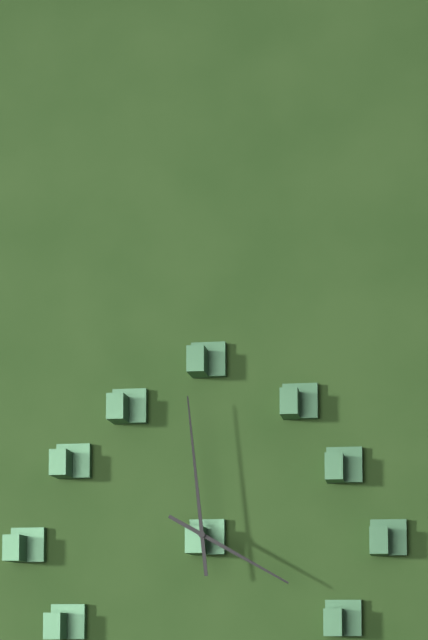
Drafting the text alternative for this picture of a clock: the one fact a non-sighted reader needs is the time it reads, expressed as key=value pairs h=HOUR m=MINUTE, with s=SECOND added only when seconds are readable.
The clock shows h=3 m=59
